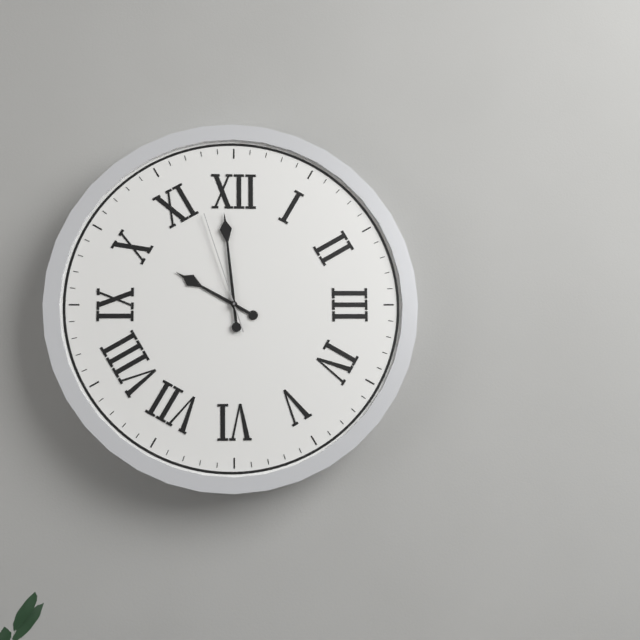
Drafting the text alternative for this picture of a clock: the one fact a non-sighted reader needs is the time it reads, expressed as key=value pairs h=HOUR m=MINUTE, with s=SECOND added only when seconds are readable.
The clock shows h=9 m=59 s=57
